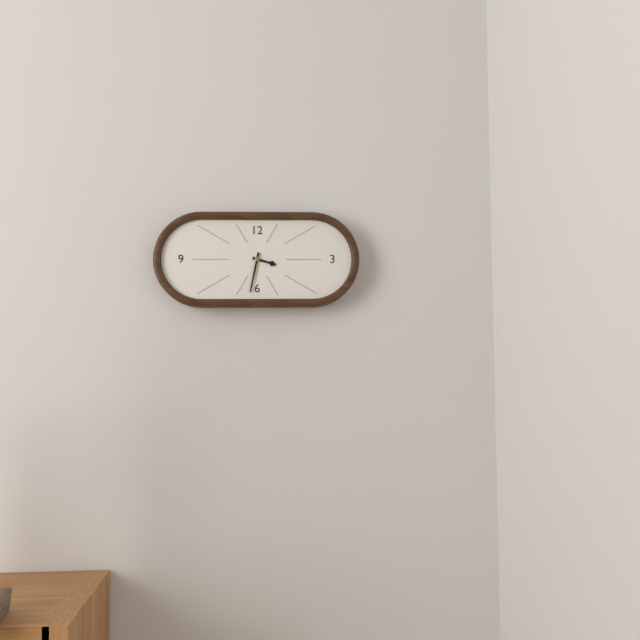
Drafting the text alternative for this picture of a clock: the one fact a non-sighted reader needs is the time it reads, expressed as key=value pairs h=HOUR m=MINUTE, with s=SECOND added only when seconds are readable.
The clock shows h=3 m=32
